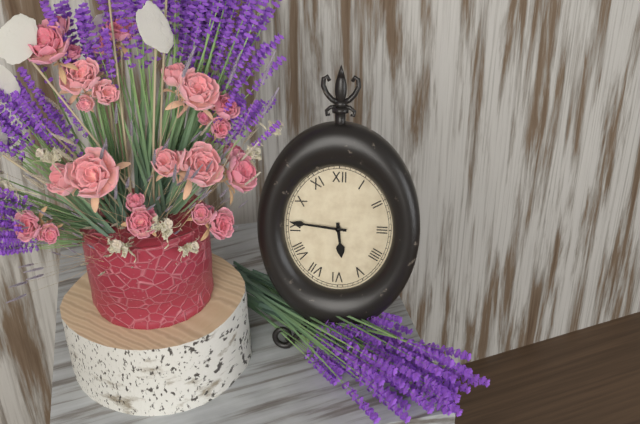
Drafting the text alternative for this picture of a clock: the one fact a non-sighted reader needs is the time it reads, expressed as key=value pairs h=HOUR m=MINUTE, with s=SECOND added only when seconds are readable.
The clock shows h=5 m=46
